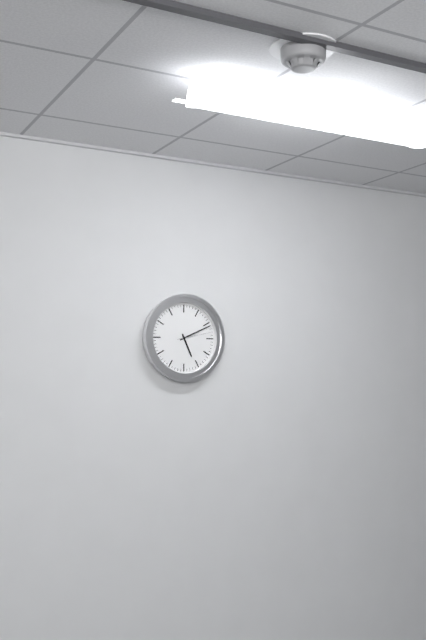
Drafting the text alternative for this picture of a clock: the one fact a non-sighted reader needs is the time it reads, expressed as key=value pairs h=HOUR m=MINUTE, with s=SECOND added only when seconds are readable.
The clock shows h=5 m=11
